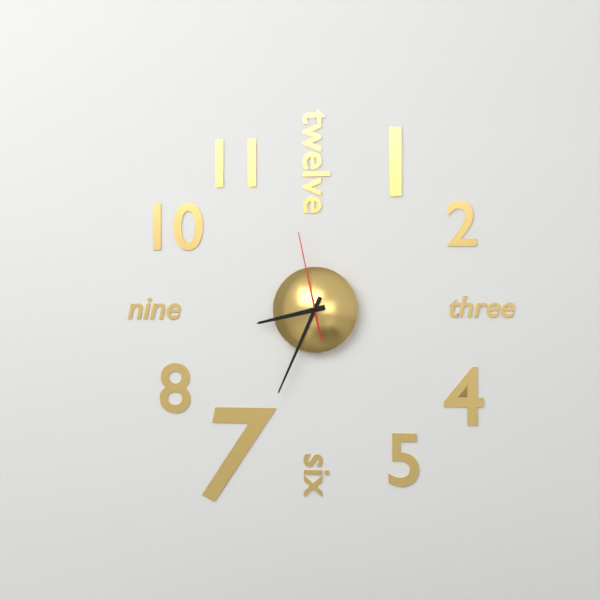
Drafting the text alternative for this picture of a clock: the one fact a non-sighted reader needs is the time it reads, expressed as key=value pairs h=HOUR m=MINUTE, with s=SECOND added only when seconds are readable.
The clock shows h=8 m=34 s=58
